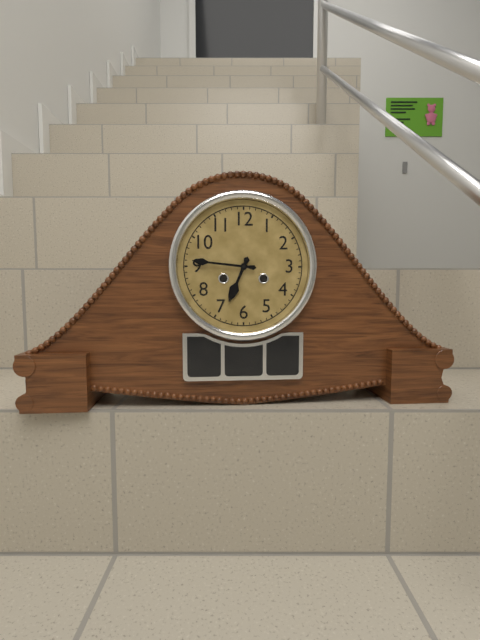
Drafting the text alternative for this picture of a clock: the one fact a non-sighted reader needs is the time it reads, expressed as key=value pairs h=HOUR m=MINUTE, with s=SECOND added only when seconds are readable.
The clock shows h=6 m=46
